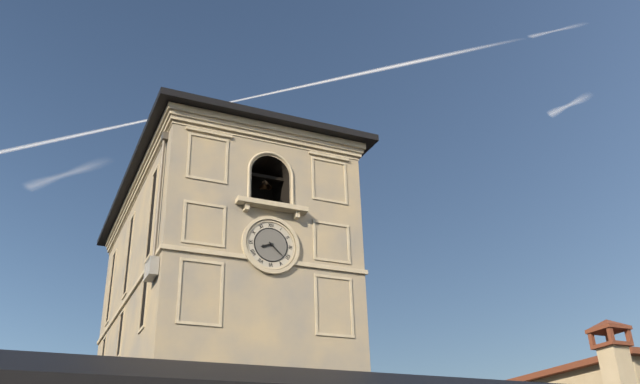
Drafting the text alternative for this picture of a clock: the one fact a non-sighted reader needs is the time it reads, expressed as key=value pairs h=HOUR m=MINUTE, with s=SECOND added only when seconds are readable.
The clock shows h=8 m=22
